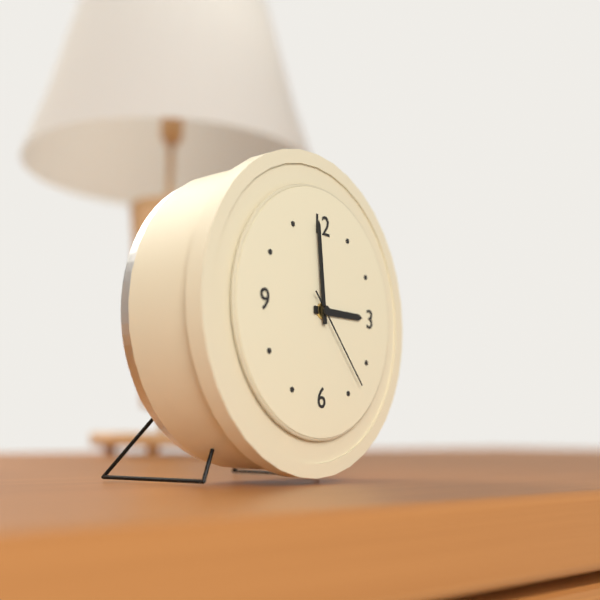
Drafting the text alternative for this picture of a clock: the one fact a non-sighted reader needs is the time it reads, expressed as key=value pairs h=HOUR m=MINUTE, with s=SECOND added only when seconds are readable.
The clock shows h=2 m=59 s=23
